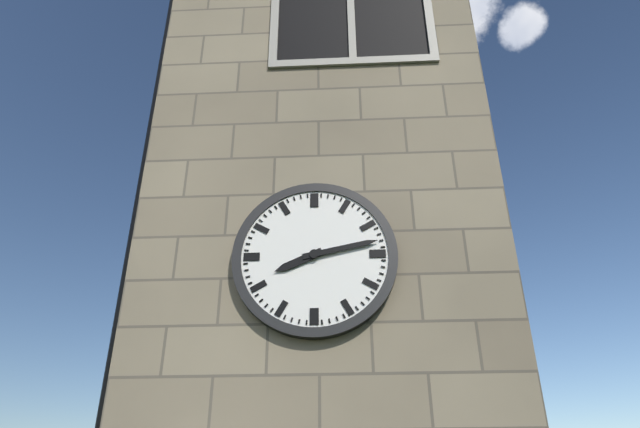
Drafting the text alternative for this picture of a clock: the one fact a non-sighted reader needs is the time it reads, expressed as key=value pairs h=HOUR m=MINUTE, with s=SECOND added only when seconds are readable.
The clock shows h=8 m=13
